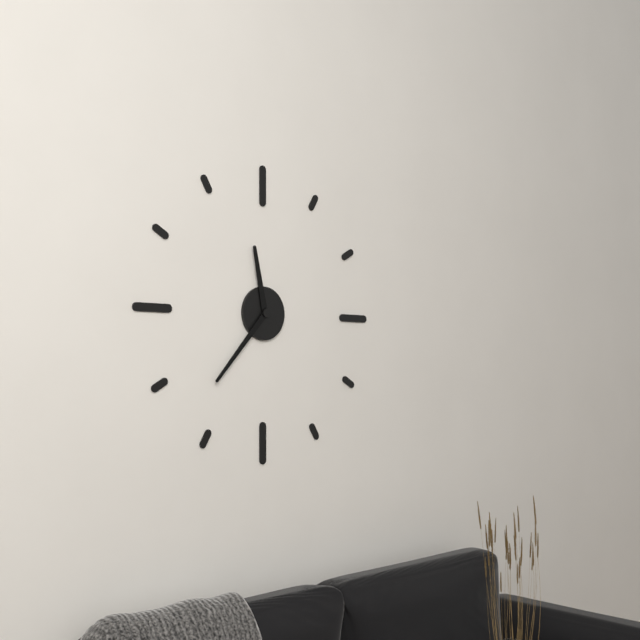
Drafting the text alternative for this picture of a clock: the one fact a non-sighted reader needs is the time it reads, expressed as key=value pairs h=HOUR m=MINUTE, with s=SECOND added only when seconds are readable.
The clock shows h=11 m=37
